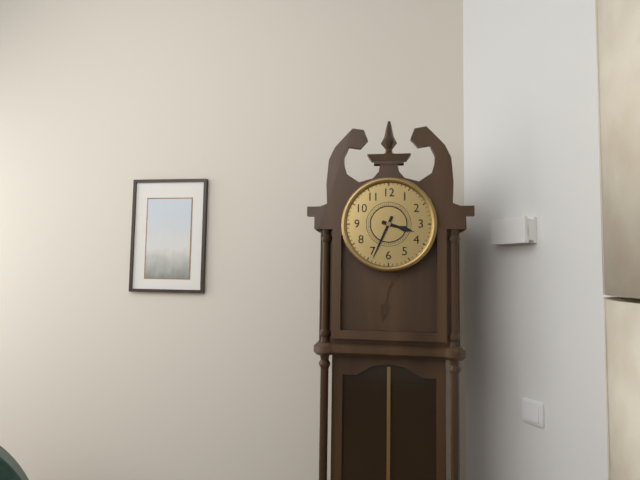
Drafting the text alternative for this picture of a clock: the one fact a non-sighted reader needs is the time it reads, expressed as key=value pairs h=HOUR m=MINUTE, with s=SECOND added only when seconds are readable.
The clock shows h=3 m=34
